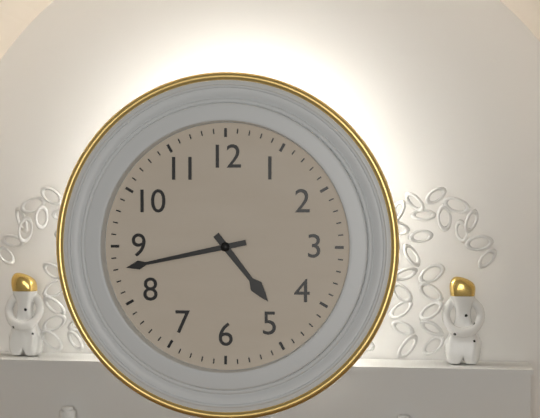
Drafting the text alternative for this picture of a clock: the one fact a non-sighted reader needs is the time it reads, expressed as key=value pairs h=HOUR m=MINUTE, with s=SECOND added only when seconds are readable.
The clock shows h=4 m=43
